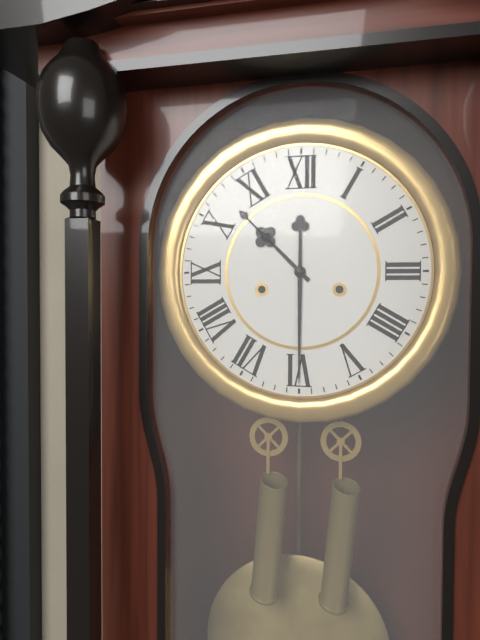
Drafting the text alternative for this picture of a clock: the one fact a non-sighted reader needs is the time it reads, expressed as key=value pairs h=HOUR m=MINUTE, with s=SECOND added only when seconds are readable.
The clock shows h=10 m=30
